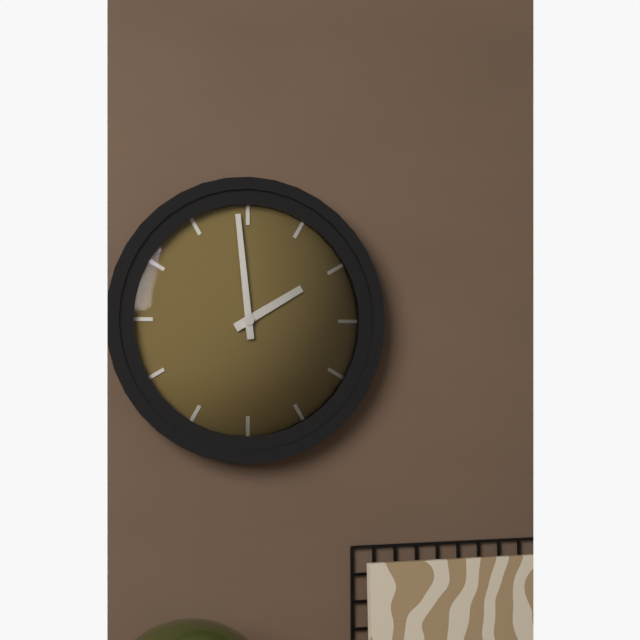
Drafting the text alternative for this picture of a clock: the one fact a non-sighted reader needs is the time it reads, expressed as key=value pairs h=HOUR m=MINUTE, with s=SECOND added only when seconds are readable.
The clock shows h=1 m=59
